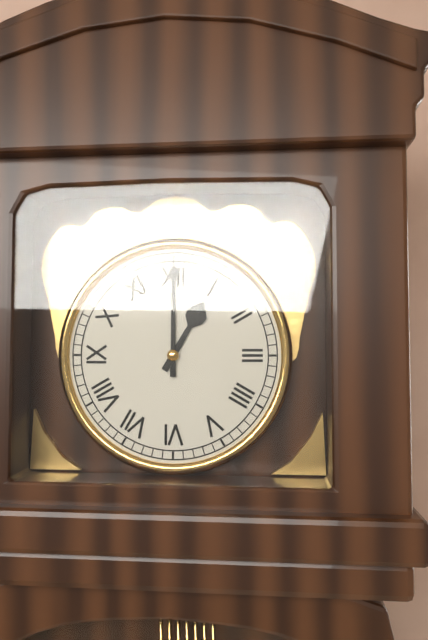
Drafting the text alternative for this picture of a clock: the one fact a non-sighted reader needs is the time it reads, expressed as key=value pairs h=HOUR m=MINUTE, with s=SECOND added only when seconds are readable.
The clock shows h=1 m=0
